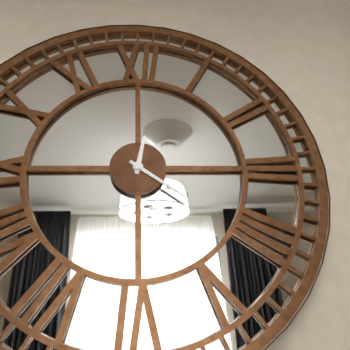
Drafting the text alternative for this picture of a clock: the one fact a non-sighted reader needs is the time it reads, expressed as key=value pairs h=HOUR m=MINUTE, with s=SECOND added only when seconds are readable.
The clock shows h=12 m=21
